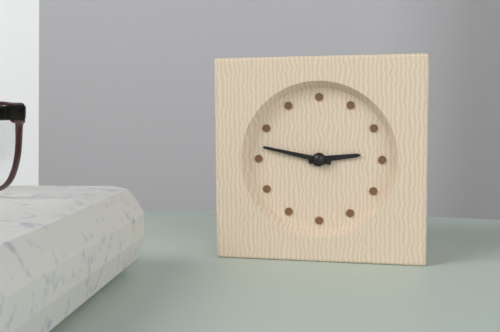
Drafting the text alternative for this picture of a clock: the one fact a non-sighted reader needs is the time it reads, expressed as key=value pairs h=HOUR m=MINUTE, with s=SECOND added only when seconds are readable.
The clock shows h=2 m=47
